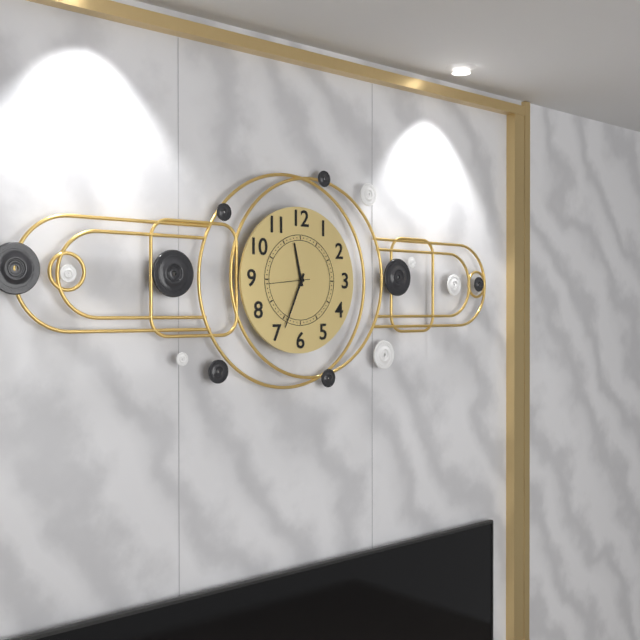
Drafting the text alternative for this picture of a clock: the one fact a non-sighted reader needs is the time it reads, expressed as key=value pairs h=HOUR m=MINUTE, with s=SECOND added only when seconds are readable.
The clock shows h=11 m=34
